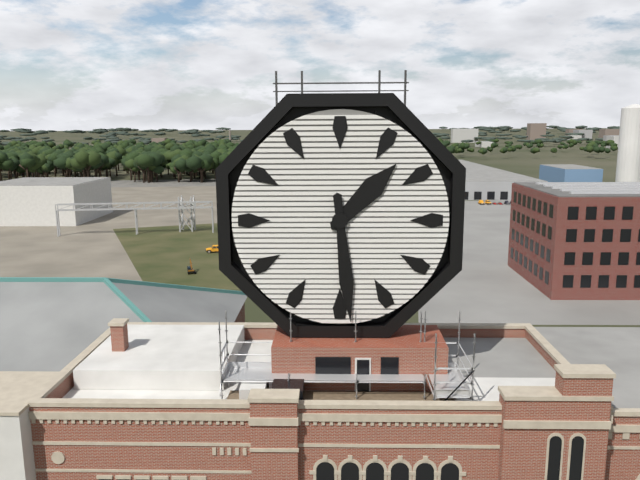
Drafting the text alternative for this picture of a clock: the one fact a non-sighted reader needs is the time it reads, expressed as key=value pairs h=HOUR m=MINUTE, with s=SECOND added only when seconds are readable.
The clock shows h=1 m=29
